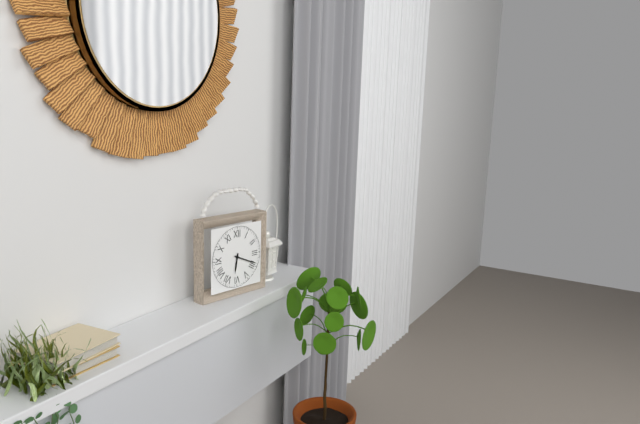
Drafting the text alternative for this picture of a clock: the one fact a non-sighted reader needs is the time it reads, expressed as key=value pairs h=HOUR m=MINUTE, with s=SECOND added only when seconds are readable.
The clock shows h=6 m=19
